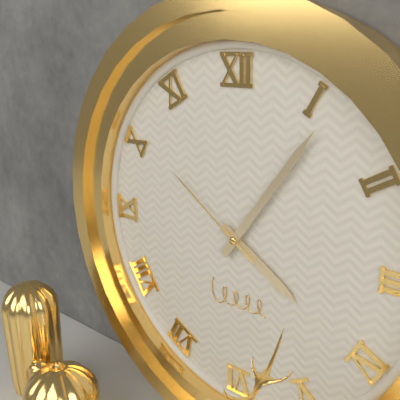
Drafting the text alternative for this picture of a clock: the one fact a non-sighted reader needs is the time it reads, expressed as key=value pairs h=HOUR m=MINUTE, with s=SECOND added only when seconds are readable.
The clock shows h=4 m=6 s=51
